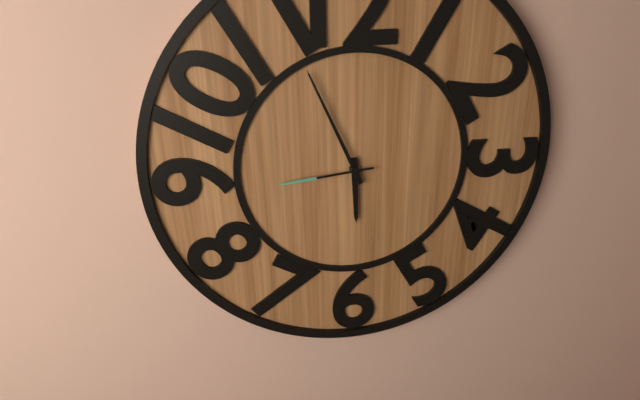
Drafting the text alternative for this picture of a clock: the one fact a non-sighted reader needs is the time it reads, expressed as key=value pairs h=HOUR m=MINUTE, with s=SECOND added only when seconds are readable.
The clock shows h=5 m=56 s=44
